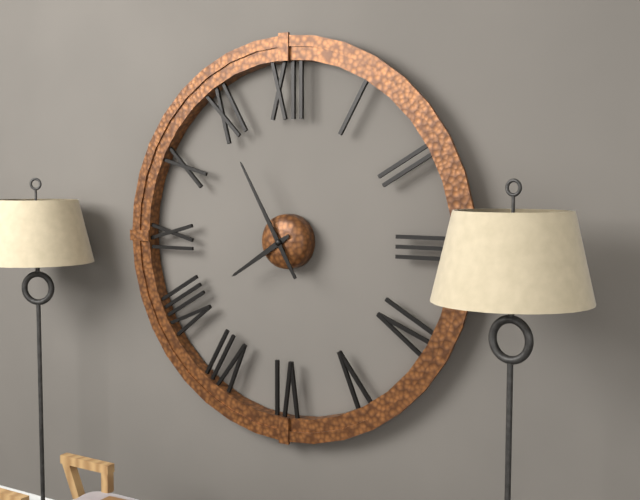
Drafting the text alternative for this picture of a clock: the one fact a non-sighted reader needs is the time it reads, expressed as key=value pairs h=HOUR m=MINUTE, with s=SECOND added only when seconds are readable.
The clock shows h=7 m=55
